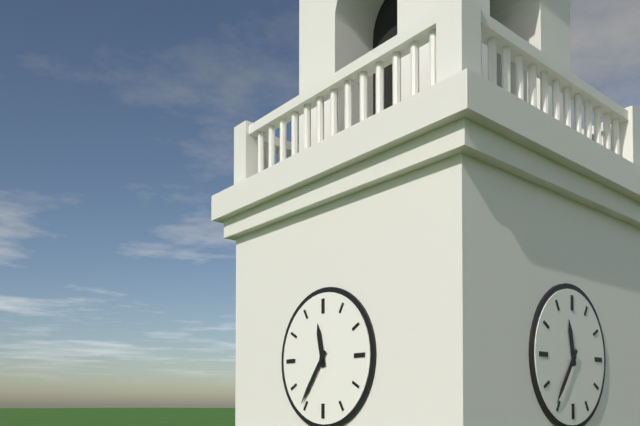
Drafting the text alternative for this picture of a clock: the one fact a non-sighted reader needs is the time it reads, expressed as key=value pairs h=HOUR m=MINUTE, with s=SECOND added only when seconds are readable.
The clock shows h=11 m=36
